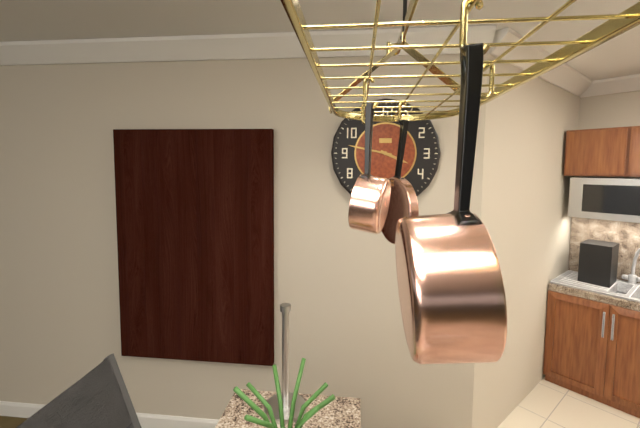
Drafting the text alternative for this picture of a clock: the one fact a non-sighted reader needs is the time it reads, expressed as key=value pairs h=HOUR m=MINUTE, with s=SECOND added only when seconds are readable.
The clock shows h=3 m=47
